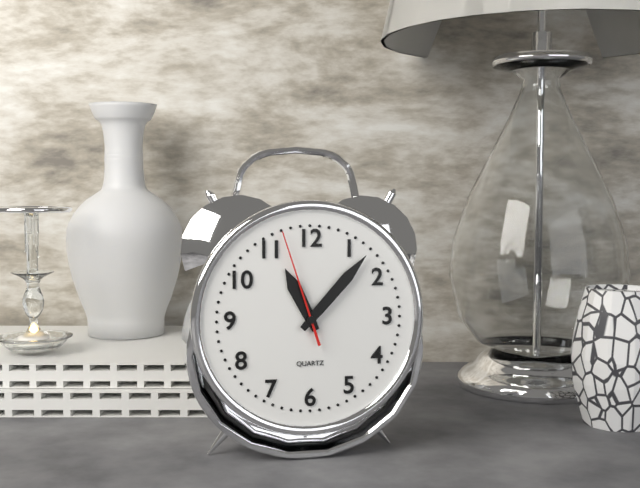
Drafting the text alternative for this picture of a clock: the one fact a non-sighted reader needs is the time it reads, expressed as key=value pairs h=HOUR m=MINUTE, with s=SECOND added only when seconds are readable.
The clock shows h=11 m=7 s=57
